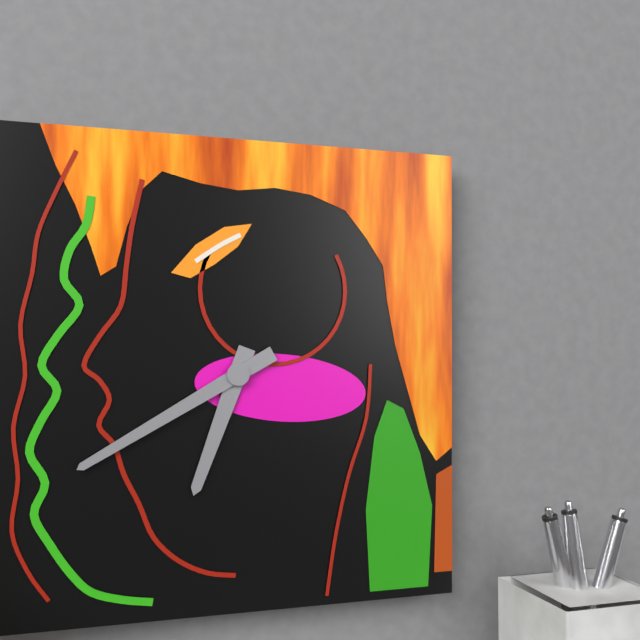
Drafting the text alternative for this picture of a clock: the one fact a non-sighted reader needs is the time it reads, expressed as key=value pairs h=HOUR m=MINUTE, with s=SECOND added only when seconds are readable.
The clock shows h=6 m=40
